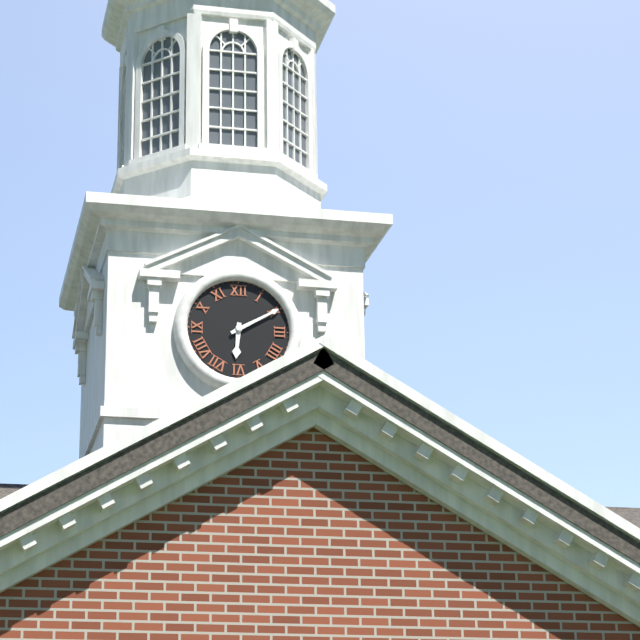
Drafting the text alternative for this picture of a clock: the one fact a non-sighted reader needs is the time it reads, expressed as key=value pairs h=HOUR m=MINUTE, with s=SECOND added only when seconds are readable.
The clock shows h=6 m=10
